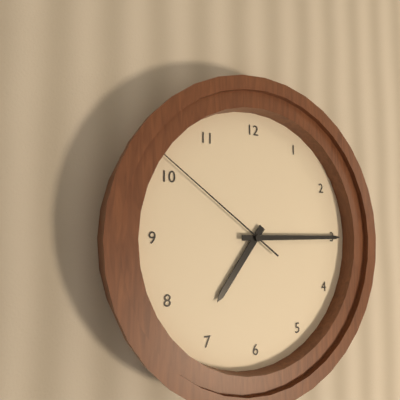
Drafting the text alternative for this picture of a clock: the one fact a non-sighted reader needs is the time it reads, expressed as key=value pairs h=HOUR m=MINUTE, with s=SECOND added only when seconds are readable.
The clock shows h=7 m=15 s=51
